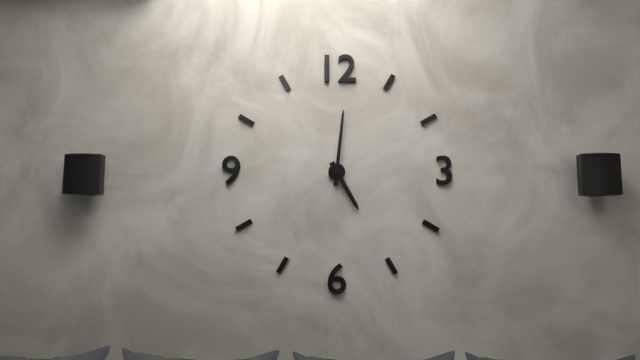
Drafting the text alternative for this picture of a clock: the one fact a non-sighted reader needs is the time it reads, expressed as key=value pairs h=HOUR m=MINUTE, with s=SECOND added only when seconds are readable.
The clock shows h=5 m=1
